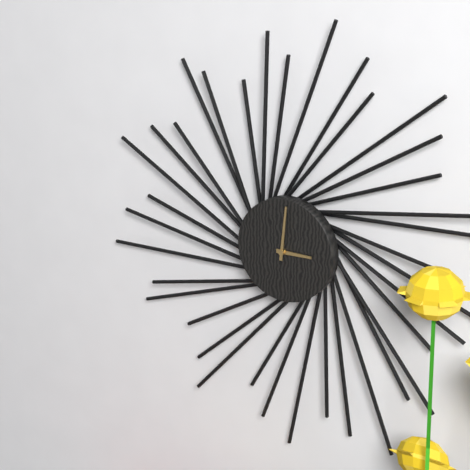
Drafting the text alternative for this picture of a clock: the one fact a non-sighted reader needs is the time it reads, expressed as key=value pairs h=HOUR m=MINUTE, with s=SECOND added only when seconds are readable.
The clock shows h=3 m=1
